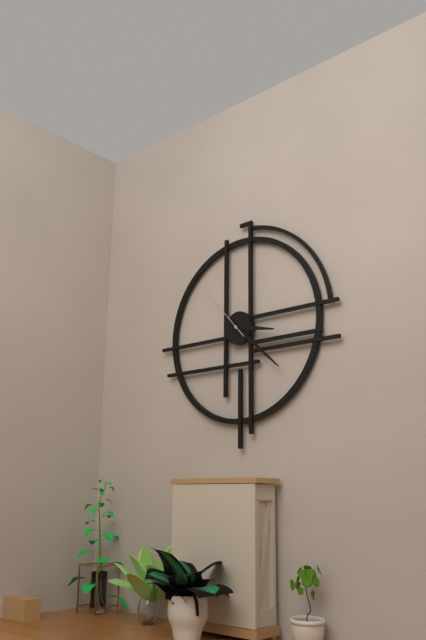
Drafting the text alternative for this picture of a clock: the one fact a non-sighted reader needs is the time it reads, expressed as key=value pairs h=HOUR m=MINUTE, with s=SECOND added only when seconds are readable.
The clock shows h=3 m=22 s=53
